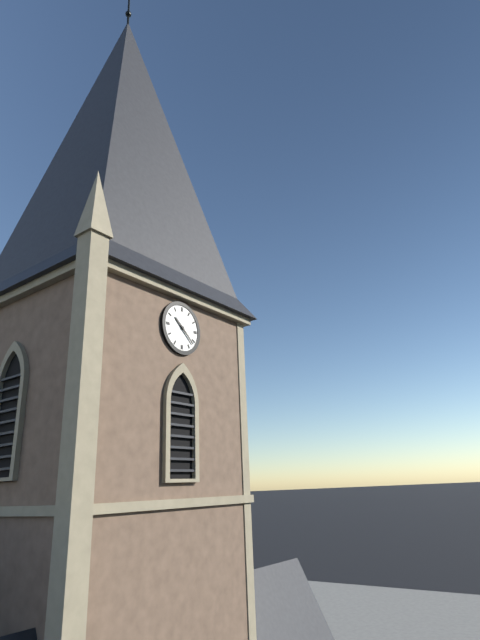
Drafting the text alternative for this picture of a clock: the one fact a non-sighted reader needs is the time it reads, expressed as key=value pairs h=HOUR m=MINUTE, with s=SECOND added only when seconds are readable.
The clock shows h=10 m=22
